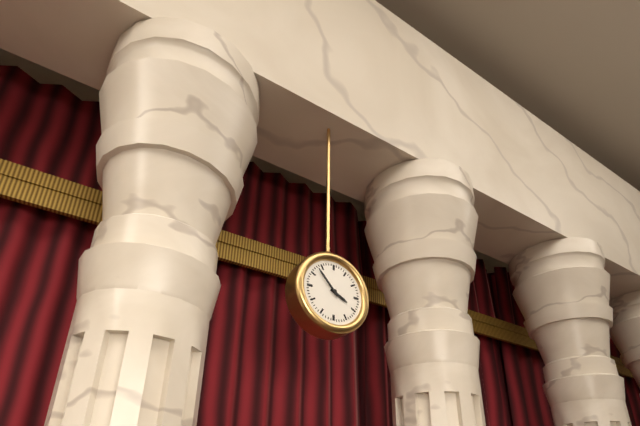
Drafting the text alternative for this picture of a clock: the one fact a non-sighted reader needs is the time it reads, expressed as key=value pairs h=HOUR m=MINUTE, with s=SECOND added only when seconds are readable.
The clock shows h=3 m=53
